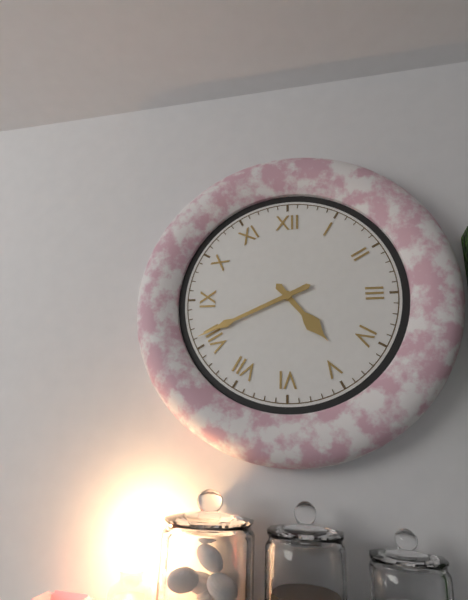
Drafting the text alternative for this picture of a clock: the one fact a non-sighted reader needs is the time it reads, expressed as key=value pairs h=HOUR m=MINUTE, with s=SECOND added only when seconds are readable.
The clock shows h=4 m=41
